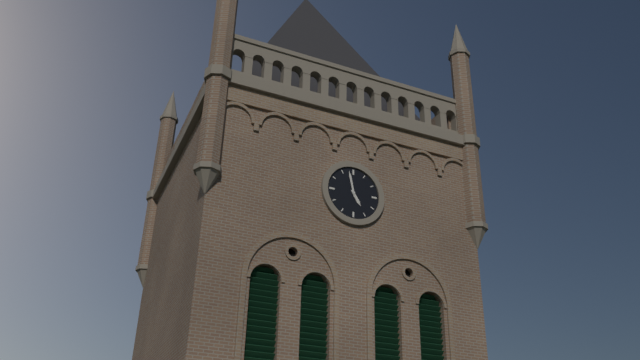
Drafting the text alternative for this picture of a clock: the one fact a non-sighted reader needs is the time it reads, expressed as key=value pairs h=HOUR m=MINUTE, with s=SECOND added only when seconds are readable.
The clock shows h=4 m=58
